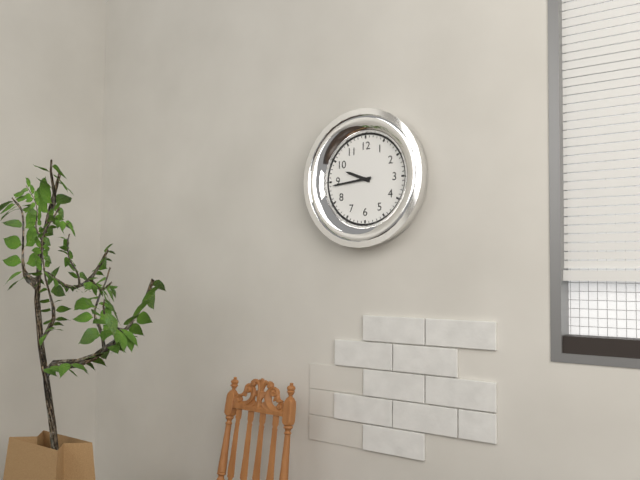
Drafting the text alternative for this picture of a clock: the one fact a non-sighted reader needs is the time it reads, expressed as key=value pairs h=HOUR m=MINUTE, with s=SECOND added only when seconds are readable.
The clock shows h=9 m=44
